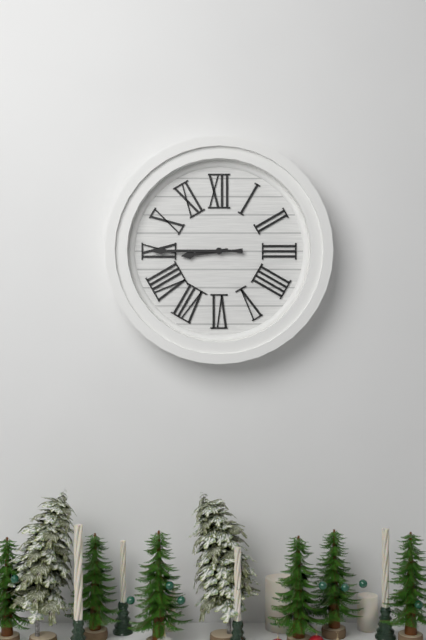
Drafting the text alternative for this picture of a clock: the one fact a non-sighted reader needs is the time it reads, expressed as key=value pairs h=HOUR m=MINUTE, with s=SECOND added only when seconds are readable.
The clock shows h=8 m=45
